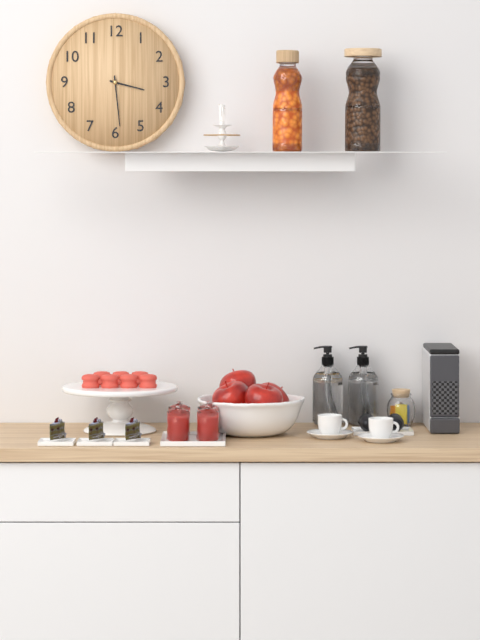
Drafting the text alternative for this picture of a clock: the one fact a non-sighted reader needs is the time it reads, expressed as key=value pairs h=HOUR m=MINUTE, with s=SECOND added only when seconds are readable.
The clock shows h=3 m=29
